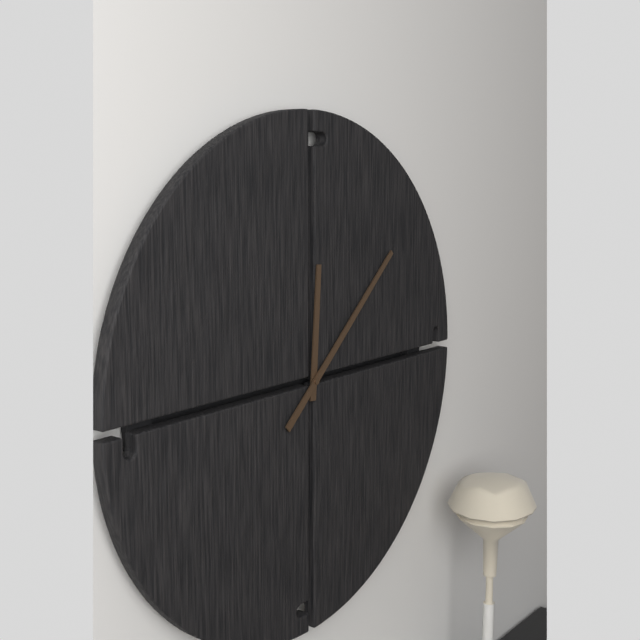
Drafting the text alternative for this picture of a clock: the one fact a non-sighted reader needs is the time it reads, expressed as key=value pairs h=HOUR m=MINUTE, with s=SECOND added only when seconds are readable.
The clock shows h=12 m=8
